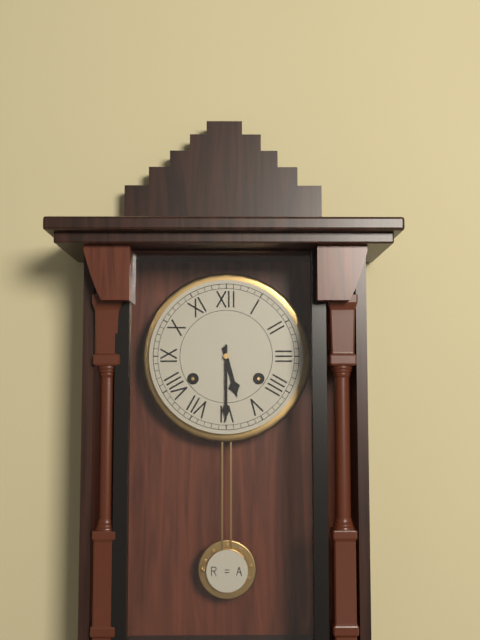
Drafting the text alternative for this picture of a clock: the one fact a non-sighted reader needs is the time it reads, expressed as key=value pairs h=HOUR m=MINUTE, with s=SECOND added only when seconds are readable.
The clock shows h=5 m=30
